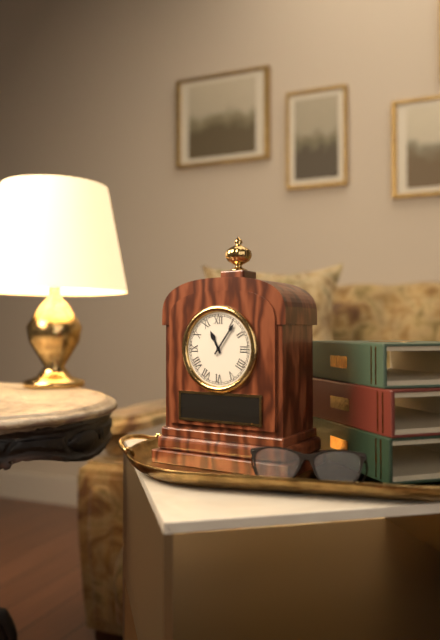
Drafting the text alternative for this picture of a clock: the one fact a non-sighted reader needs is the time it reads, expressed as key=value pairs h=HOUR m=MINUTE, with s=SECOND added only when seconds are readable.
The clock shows h=11 m=6
